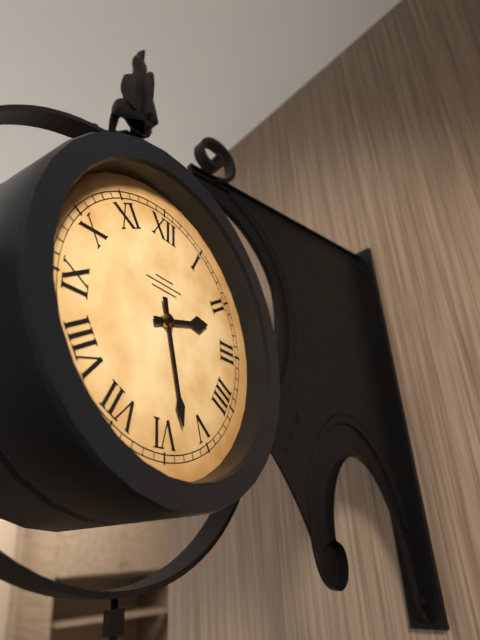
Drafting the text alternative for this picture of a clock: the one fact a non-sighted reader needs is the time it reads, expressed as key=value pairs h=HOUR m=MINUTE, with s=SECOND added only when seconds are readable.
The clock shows h=2 m=28
